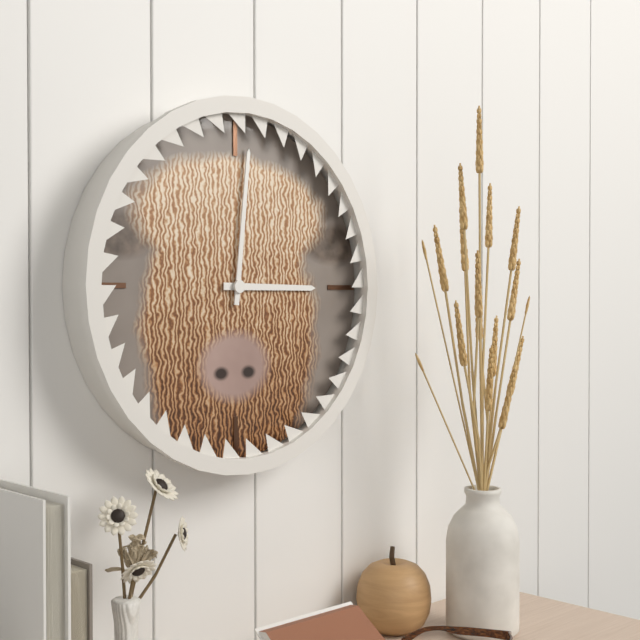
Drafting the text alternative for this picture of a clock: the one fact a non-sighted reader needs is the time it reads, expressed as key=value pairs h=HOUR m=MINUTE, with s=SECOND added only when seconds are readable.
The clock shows h=3 m=1
